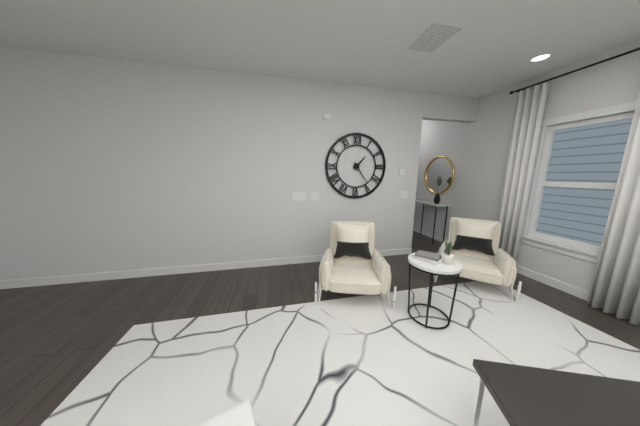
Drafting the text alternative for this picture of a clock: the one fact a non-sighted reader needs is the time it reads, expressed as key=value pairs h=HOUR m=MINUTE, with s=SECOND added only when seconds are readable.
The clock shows h=1 m=24
